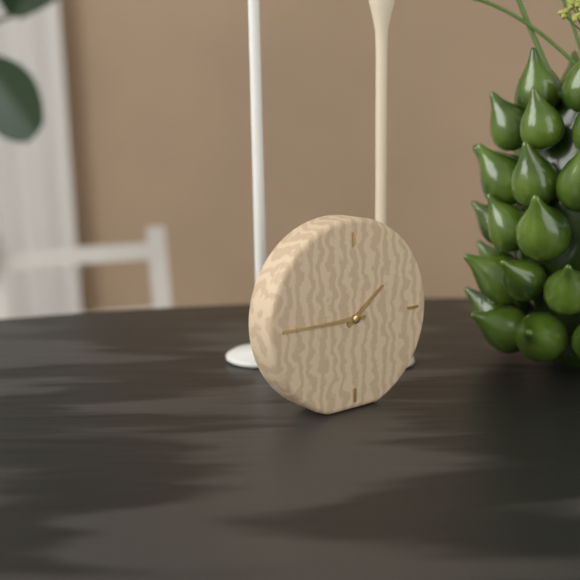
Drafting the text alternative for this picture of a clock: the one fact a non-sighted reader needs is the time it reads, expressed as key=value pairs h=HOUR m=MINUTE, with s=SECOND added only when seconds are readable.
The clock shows h=1 m=45
